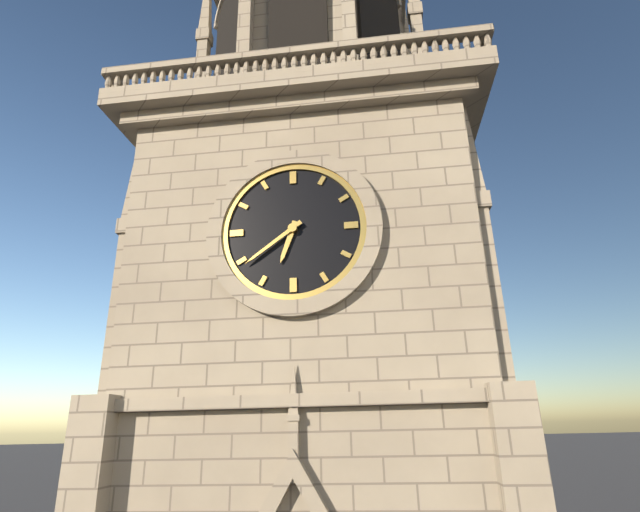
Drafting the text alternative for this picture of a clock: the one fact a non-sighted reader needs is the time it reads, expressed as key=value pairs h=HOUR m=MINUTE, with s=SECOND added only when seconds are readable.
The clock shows h=6 m=39
